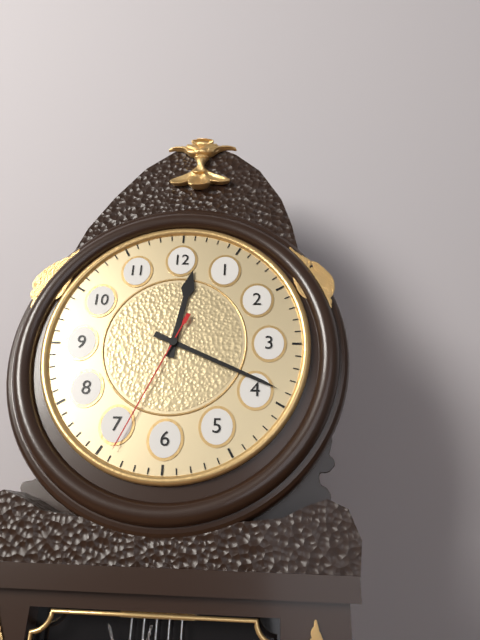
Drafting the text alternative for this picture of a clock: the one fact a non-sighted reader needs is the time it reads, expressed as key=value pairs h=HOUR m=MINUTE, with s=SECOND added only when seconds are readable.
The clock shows h=12 m=19 s=34
